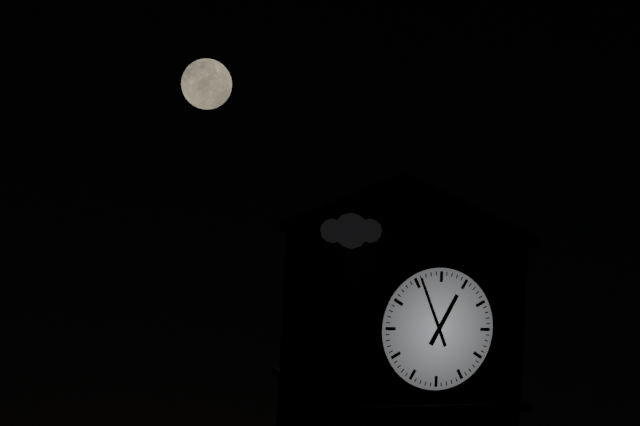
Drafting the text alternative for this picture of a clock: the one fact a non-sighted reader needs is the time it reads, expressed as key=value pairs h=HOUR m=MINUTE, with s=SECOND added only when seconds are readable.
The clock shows h=12 m=56
